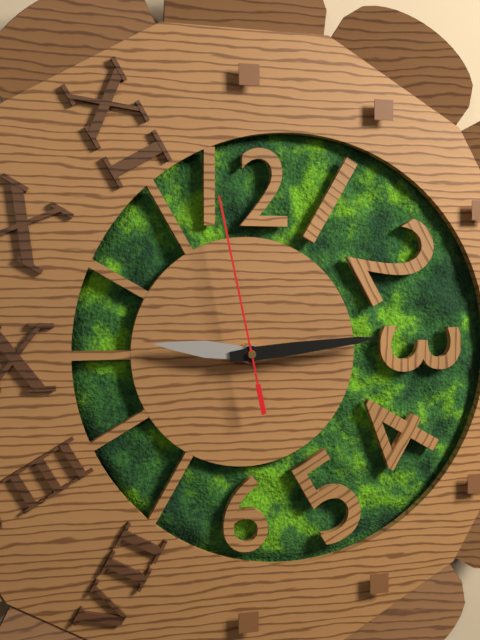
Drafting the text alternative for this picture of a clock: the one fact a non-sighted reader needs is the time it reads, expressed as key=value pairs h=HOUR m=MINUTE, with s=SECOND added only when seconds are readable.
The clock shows h=9 m=14 s=58
